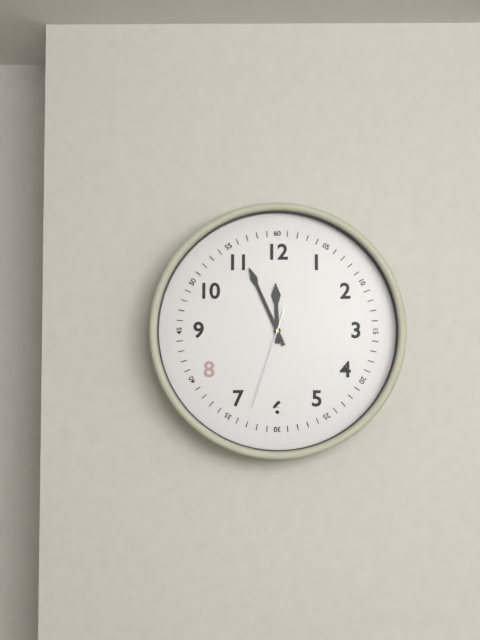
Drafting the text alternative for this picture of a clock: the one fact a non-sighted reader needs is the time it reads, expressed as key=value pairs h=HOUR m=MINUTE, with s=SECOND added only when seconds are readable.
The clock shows h=11 m=56 s=33
